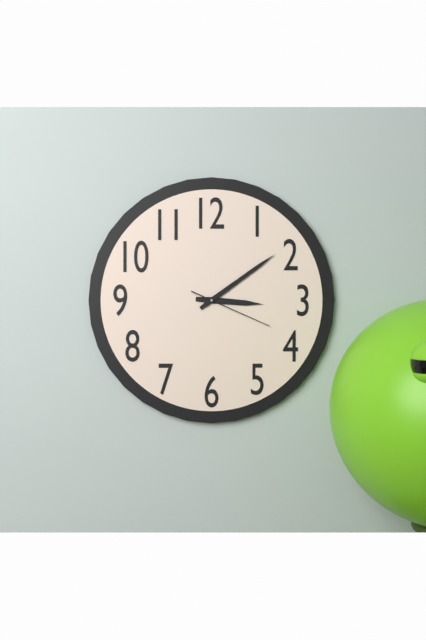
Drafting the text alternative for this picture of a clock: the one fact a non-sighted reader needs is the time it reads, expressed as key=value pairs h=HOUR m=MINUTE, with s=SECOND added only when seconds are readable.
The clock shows h=3 m=9 s=19
